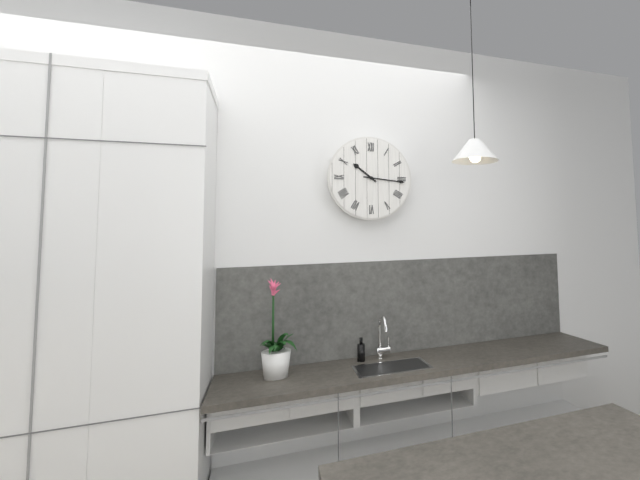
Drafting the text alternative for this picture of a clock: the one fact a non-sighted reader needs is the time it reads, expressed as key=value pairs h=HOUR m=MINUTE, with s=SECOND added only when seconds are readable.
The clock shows h=10 m=16
